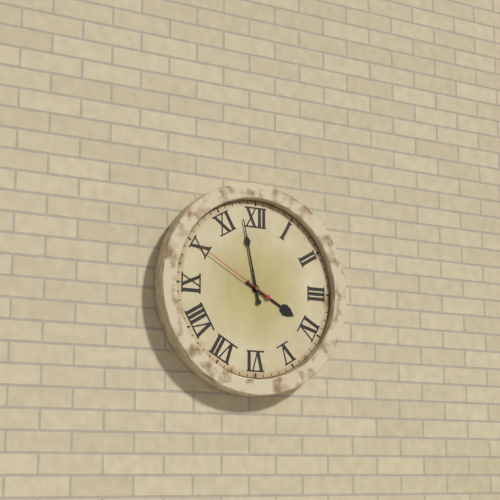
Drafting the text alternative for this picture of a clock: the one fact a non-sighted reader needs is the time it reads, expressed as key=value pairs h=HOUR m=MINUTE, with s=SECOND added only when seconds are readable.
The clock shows h=3 m=58 s=50
